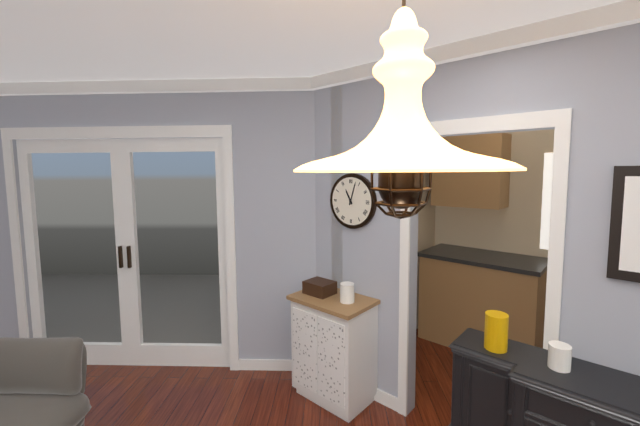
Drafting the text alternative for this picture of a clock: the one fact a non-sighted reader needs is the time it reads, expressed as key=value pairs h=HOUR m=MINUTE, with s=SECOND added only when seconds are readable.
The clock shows h=11 m=3
